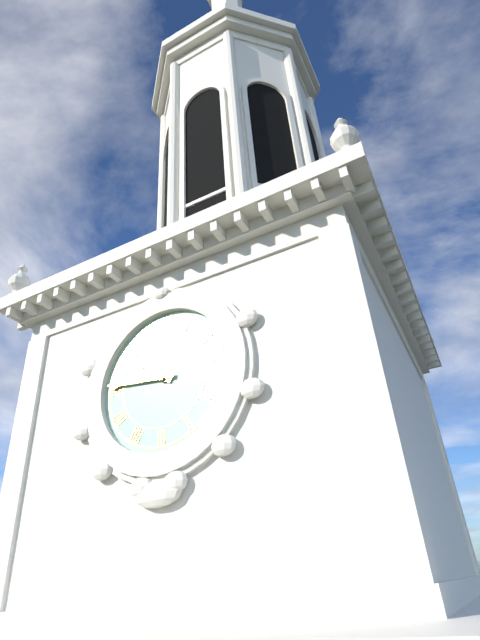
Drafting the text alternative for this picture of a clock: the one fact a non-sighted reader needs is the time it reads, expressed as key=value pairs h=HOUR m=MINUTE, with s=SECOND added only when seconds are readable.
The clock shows h=9 m=46
